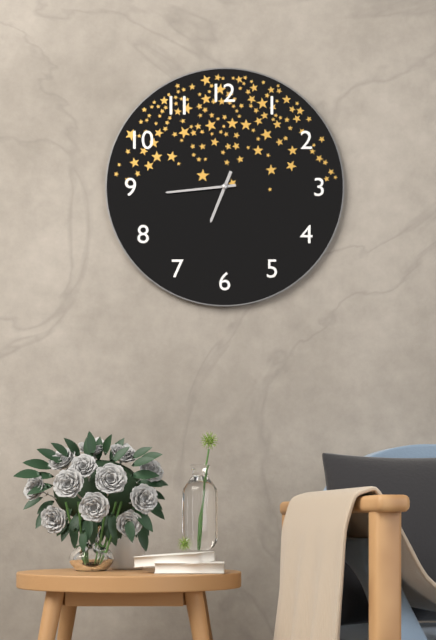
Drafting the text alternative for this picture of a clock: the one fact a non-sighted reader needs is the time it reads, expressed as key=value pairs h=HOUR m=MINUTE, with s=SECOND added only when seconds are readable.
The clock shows h=6 m=44
